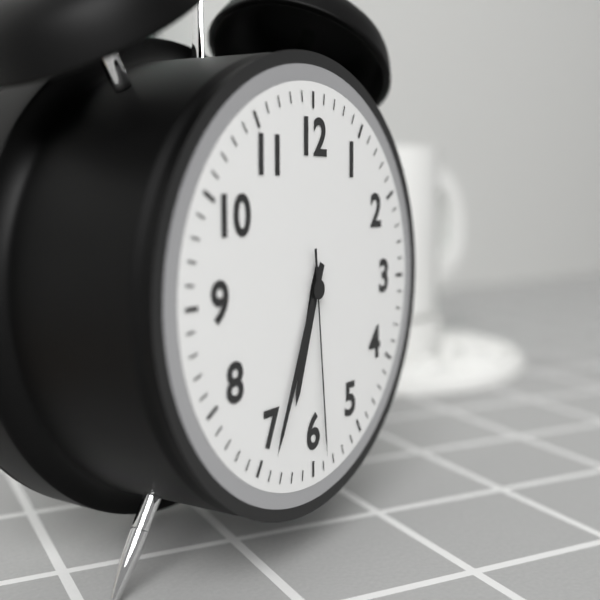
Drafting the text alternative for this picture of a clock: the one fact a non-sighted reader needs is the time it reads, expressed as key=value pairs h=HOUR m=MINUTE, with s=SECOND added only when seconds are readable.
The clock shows h=6 m=34 s=29
